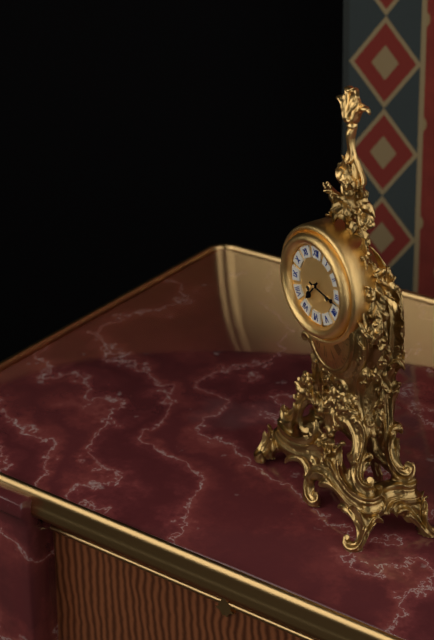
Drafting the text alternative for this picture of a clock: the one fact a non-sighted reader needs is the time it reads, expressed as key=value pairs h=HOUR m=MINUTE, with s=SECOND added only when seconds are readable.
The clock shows h=7 m=17
